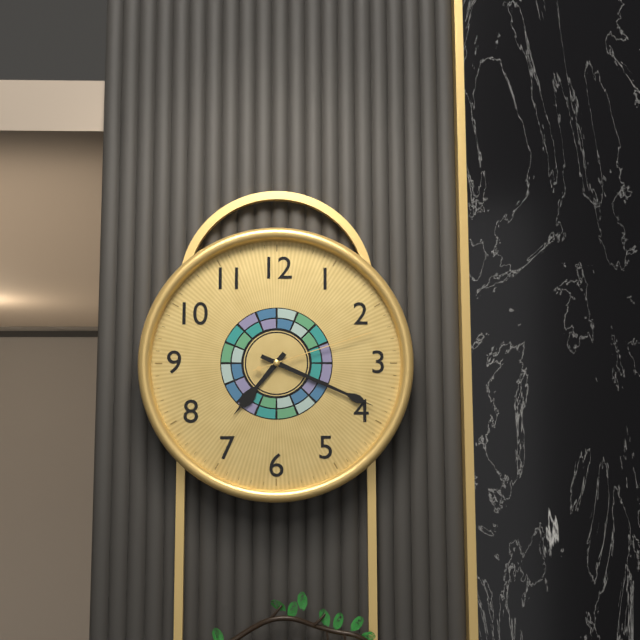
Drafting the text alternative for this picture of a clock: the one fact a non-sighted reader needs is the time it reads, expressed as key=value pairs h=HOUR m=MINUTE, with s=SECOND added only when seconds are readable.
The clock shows h=7 m=19 s=12
